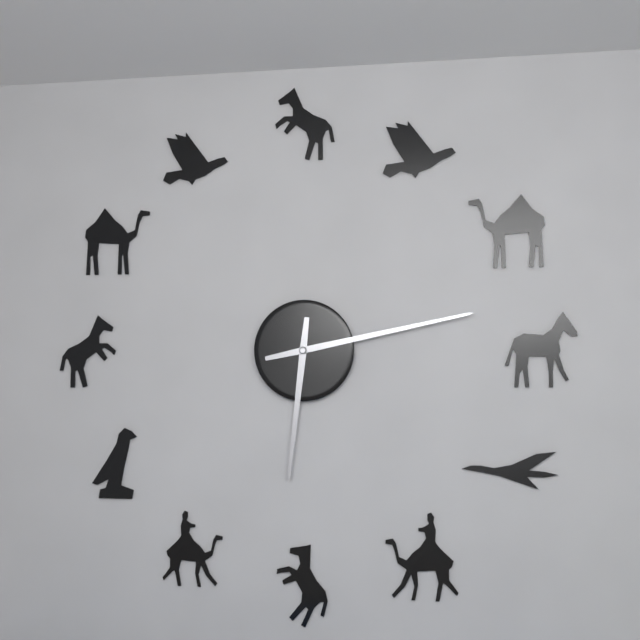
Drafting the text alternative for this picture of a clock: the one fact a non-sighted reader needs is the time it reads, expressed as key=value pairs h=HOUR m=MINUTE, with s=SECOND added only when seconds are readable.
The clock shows h=6 m=13
